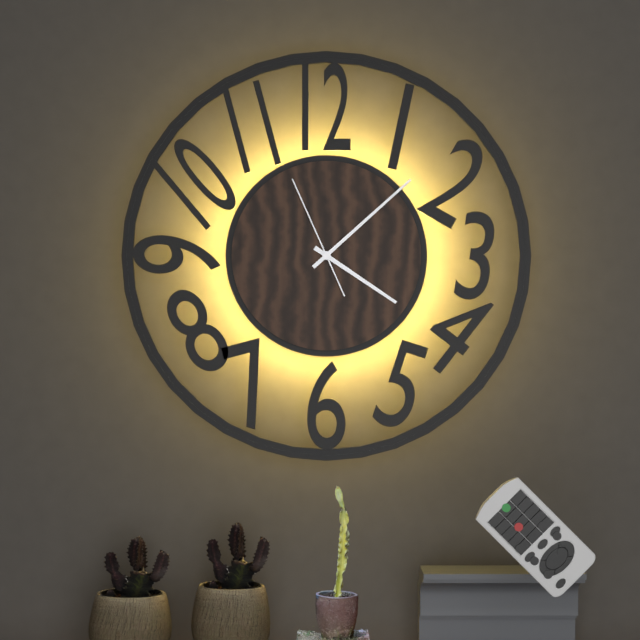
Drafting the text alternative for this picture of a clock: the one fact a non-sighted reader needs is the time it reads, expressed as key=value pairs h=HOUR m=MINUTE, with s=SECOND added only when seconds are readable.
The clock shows h=4 m=8 s=56
